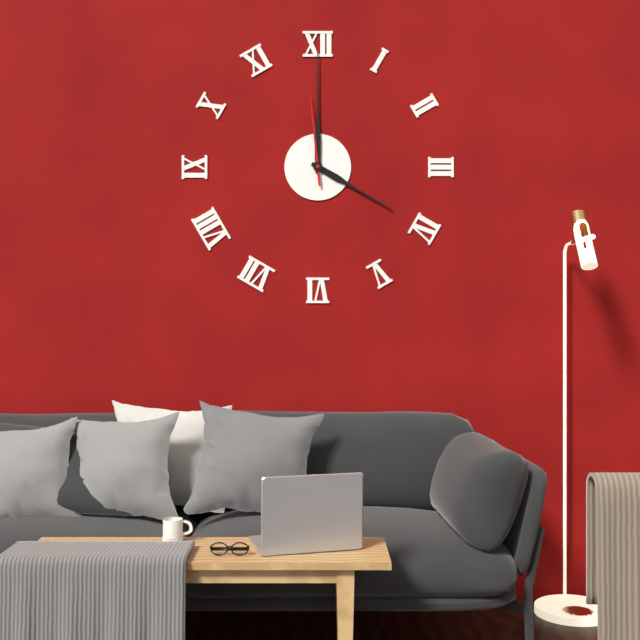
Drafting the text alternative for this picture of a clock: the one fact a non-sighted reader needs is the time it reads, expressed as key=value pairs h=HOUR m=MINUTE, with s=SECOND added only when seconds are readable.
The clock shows h=4 m=0 s=59
